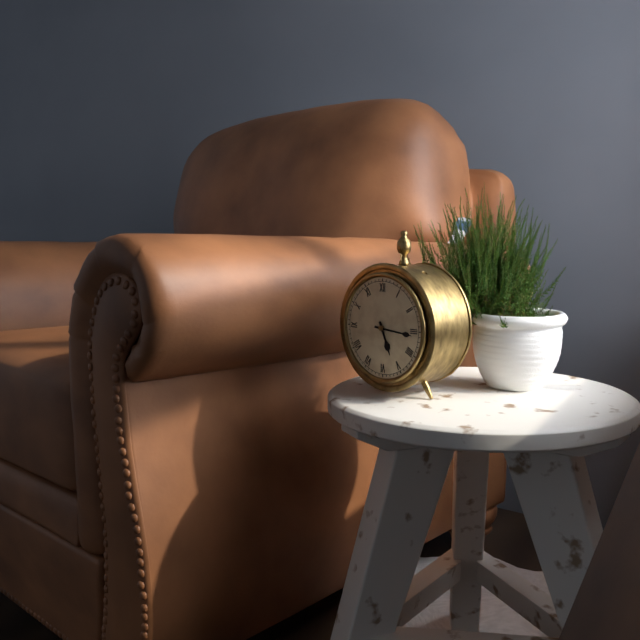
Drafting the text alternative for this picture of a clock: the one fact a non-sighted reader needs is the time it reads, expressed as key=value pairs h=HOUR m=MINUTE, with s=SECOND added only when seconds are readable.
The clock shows h=5 m=16
